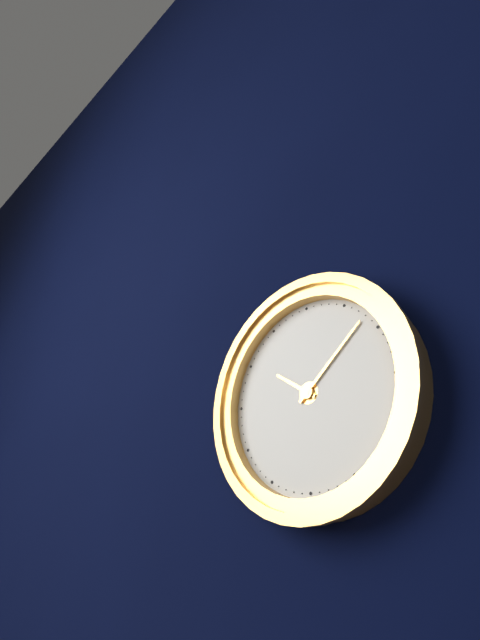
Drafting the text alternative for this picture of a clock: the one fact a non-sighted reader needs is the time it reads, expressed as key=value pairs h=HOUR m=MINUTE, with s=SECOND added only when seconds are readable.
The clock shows h=10 m=8
